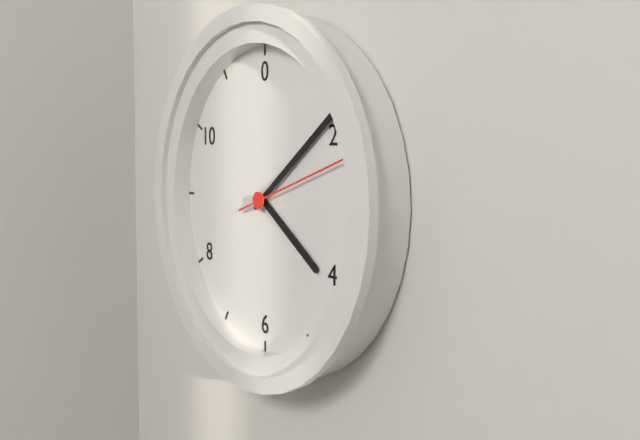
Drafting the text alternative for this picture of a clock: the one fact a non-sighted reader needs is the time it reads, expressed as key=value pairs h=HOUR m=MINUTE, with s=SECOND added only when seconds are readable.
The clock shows h=4 m=9 s=12
